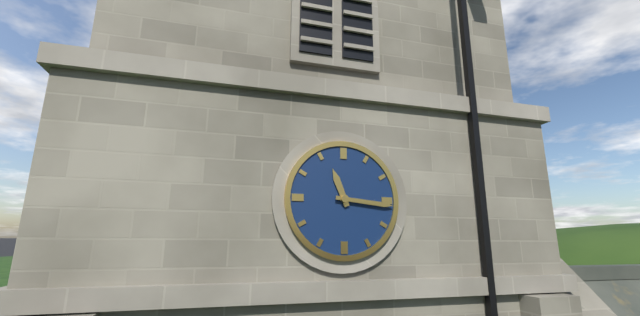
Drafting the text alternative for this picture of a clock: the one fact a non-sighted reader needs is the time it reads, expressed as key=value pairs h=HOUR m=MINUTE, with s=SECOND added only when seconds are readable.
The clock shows h=11 m=16
